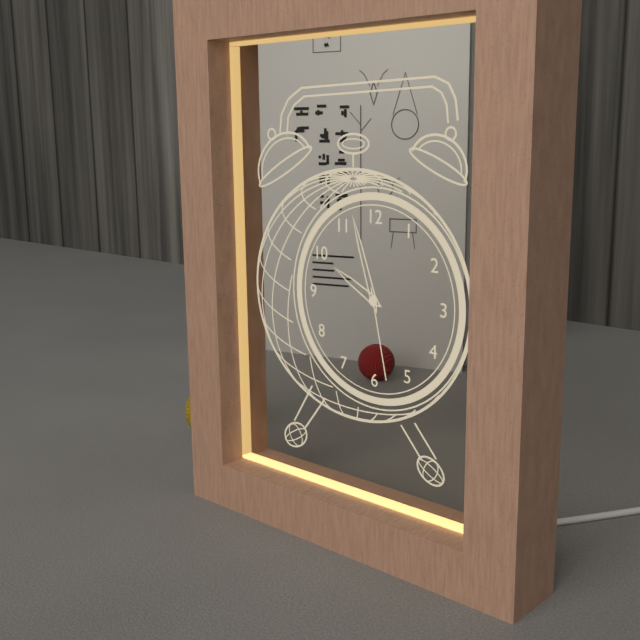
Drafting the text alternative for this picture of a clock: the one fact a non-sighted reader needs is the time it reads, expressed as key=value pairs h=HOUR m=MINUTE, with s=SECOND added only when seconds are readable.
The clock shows h=9 m=57 s=28
